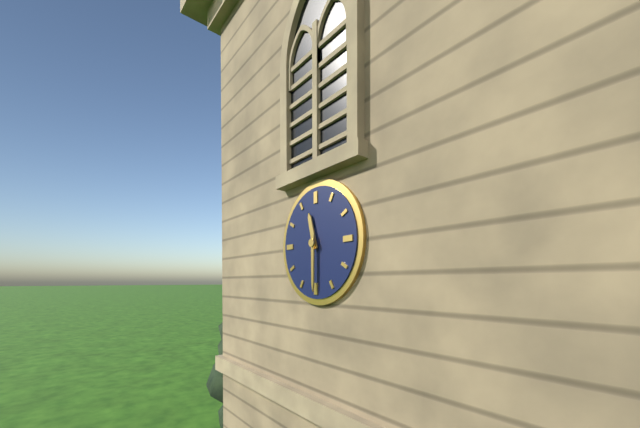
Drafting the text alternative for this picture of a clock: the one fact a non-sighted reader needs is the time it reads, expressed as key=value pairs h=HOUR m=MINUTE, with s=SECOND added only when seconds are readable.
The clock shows h=11 m=30
